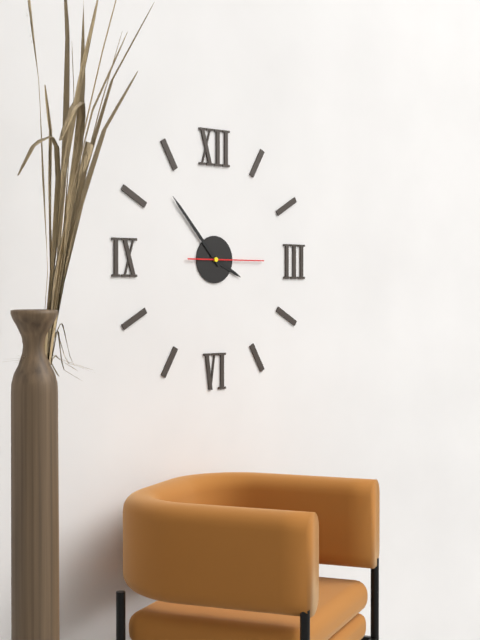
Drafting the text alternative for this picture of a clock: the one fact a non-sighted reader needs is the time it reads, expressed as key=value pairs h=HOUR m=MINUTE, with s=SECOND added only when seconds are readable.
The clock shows h=3 m=53 s=15
